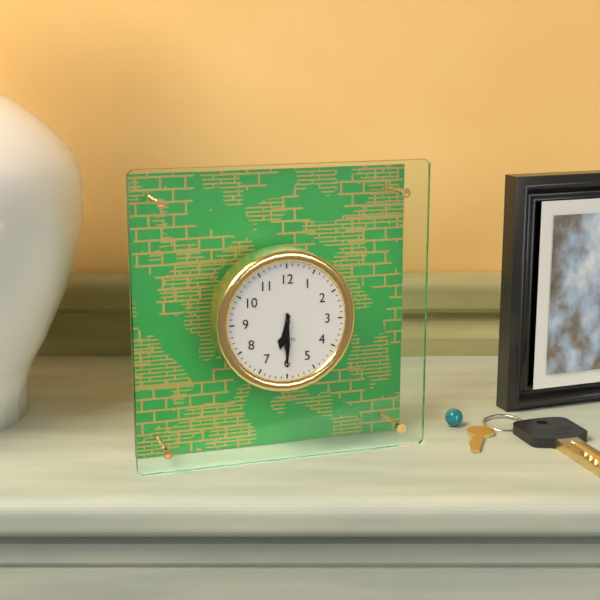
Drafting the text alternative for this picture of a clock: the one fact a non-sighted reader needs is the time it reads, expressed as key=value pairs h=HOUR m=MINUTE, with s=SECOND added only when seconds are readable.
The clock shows h=6 m=30
